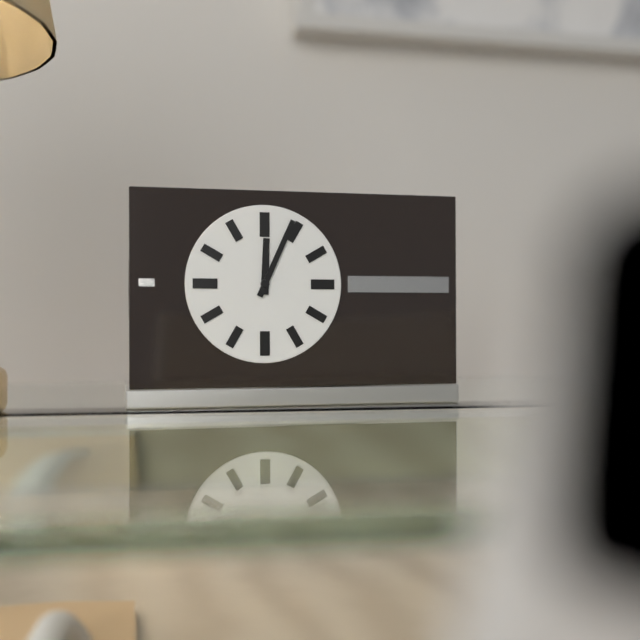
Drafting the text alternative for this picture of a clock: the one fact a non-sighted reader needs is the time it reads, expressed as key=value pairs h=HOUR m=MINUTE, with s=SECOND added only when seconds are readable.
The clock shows h=12 m=4
